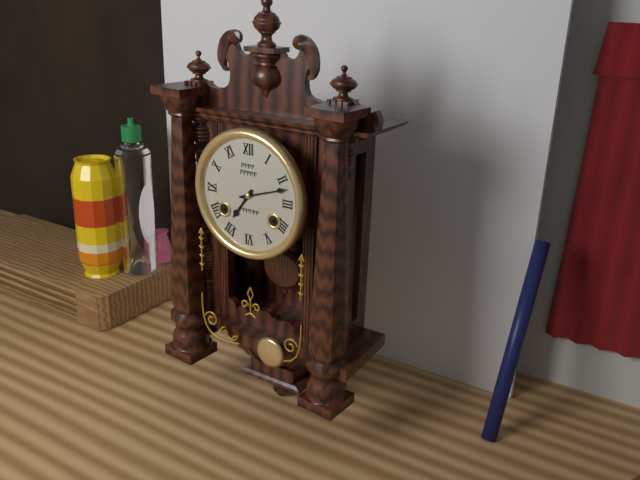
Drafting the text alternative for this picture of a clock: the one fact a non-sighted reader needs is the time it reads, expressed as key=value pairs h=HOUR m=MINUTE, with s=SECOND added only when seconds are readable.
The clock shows h=7 m=12
